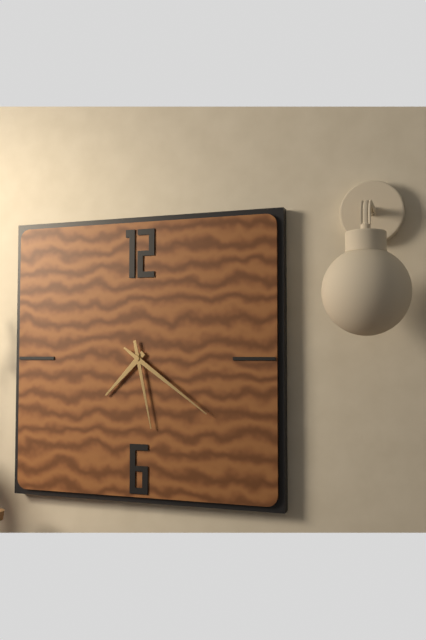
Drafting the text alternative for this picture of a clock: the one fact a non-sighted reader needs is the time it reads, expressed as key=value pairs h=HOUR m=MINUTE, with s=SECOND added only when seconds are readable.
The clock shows h=7 m=28 s=21
